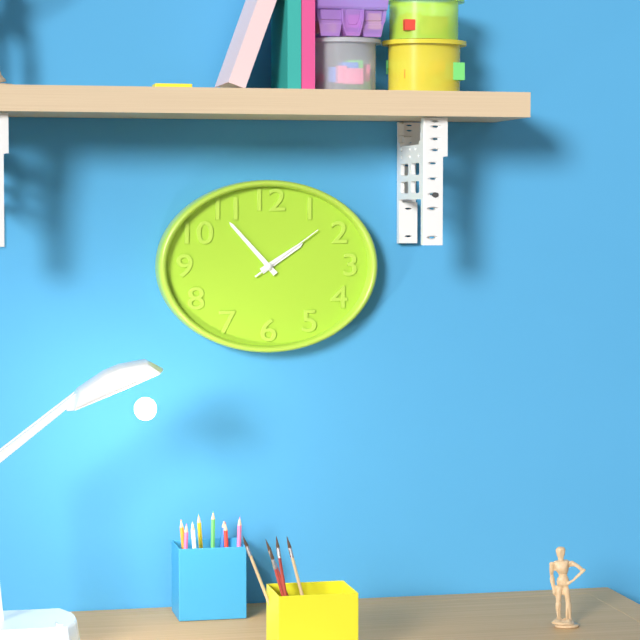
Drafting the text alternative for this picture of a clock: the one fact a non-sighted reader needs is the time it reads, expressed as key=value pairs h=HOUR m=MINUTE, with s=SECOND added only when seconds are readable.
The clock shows h=1 m=53 s=9
